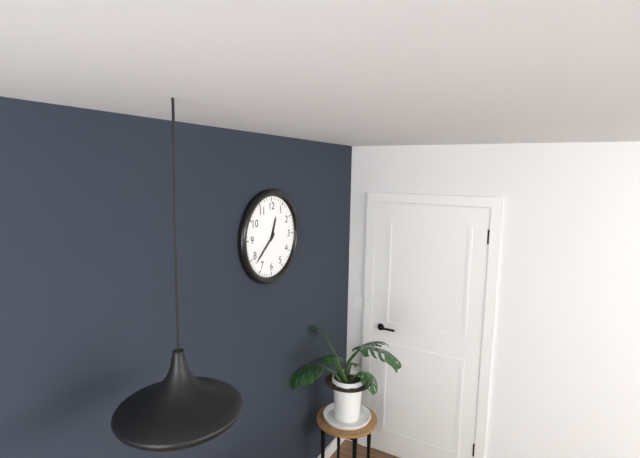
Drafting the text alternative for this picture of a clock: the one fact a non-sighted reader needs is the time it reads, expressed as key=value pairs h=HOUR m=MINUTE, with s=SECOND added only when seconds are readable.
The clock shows h=12 m=38
